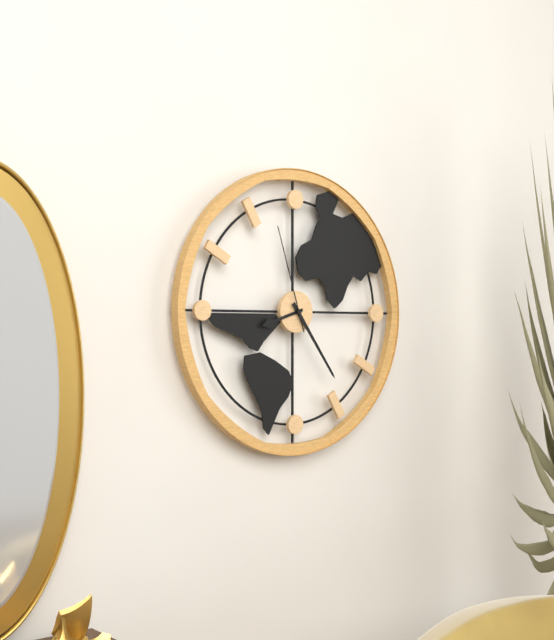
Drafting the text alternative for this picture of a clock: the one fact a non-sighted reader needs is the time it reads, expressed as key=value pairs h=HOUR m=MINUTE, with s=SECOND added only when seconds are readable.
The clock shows h=8 m=24 s=57
